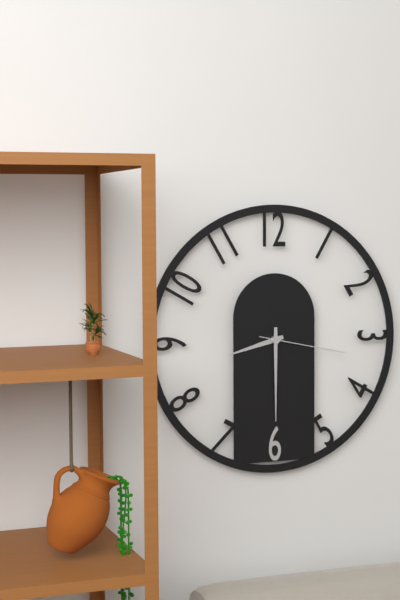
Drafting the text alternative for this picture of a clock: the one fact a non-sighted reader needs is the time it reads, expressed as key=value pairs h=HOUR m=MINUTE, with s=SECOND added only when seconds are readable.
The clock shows h=8 m=30 s=17
